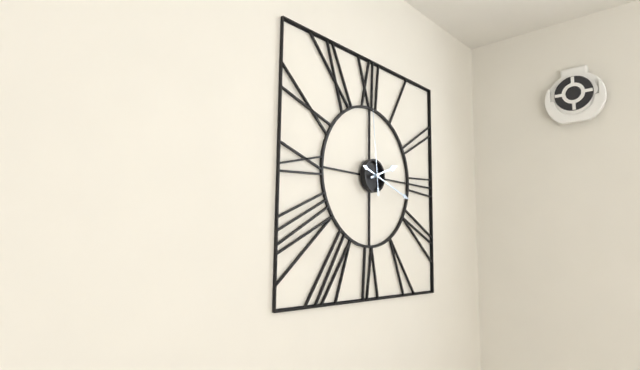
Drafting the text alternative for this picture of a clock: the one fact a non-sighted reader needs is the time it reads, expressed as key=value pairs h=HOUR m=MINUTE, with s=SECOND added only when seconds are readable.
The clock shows h=2 m=18 s=59
